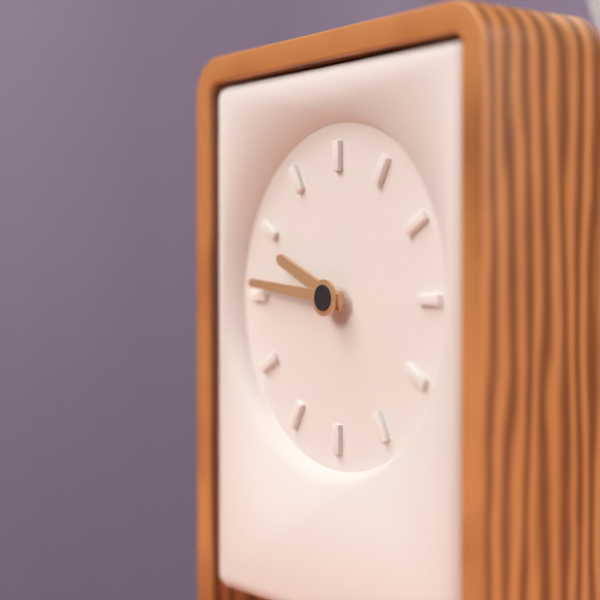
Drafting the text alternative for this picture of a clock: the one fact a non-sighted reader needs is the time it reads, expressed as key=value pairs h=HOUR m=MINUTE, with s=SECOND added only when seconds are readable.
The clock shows h=9 m=46
